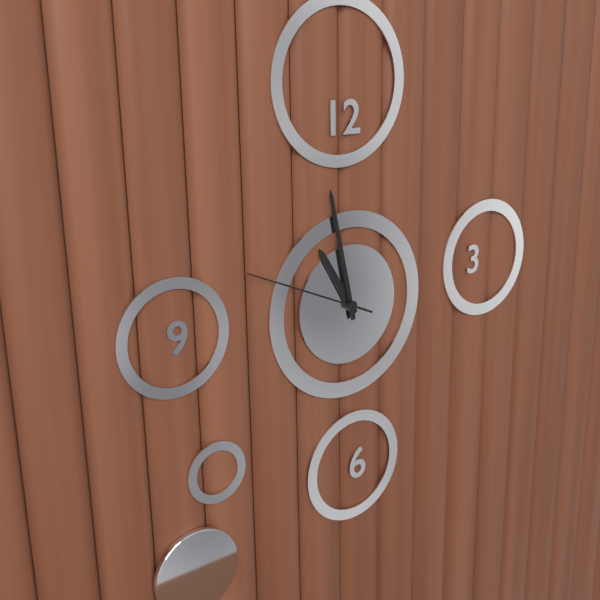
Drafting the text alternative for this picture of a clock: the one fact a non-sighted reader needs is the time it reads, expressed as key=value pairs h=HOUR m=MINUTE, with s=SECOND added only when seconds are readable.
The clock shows h=10 m=58 s=49
